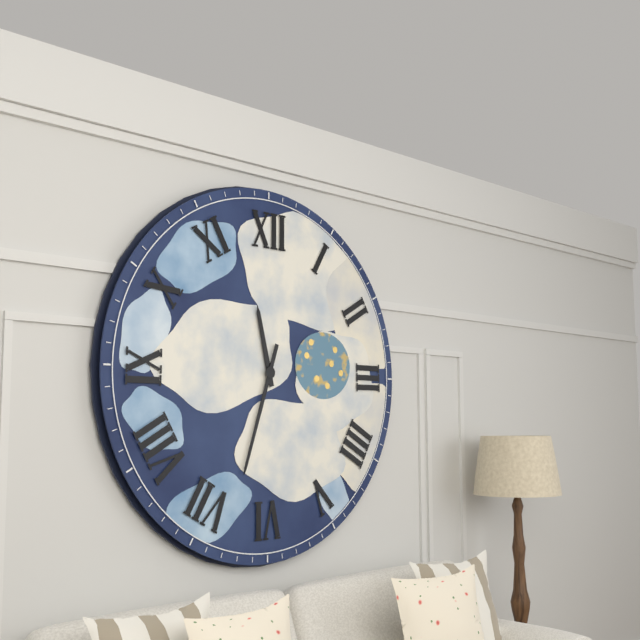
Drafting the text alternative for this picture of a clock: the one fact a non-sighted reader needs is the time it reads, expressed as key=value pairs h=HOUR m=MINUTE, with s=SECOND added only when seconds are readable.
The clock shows h=11 m=33
